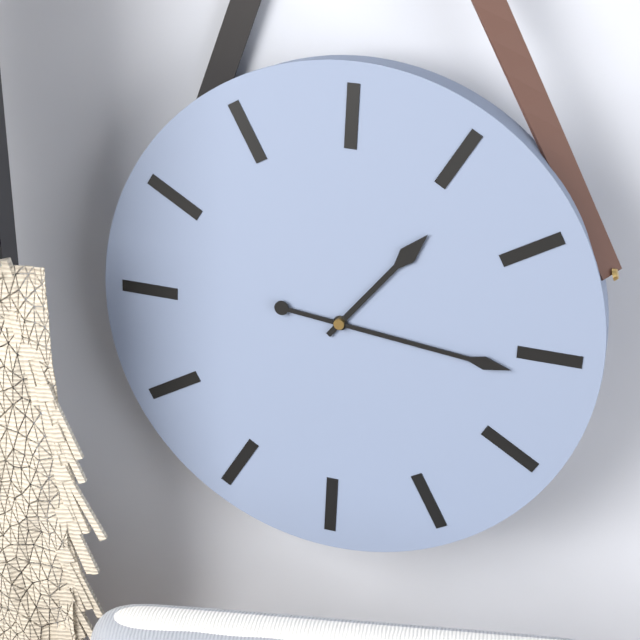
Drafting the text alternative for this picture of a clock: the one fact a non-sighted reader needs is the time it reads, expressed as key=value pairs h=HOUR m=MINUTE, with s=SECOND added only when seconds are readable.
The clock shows h=1 m=16
